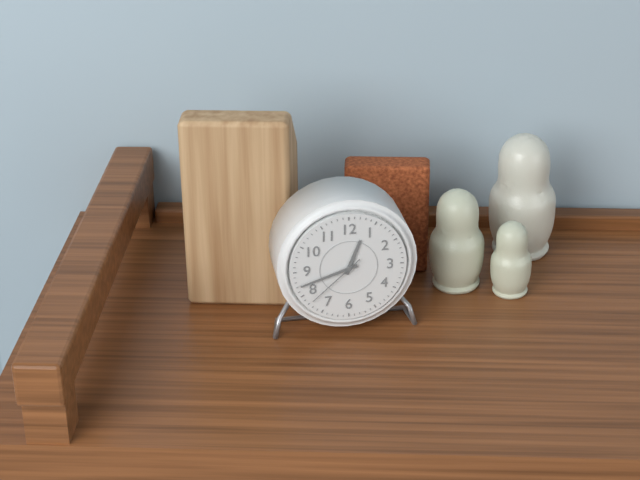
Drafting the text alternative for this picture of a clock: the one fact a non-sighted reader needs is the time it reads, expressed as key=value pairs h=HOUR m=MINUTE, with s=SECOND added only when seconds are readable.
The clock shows h=12 m=42 s=38
